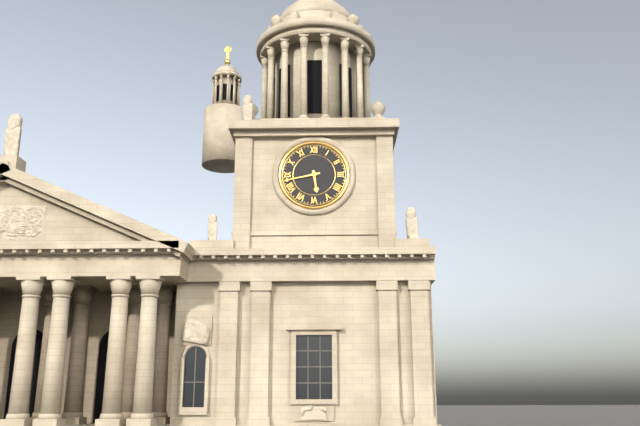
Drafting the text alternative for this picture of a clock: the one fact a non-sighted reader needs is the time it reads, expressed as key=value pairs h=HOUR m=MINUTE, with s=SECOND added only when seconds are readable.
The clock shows h=5 m=43
